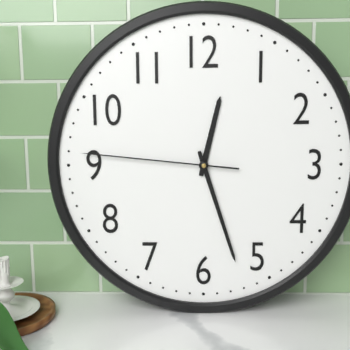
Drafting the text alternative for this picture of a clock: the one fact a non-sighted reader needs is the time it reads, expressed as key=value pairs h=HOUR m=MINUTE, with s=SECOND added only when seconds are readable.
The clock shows h=12 m=27 s=46
